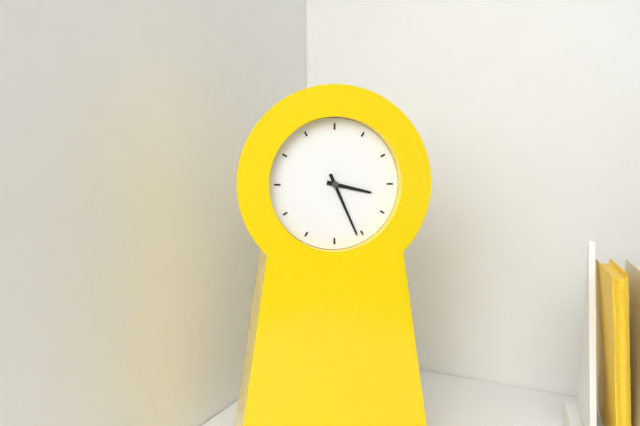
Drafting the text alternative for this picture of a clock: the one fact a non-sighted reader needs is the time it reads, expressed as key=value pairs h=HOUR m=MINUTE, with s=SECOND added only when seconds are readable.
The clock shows h=3 m=26
